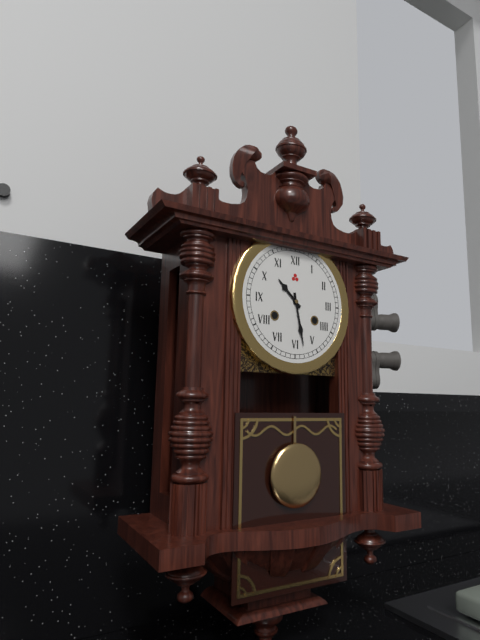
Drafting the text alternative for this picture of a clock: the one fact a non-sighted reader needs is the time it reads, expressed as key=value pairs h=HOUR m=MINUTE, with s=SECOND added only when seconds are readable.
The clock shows h=10 m=28
